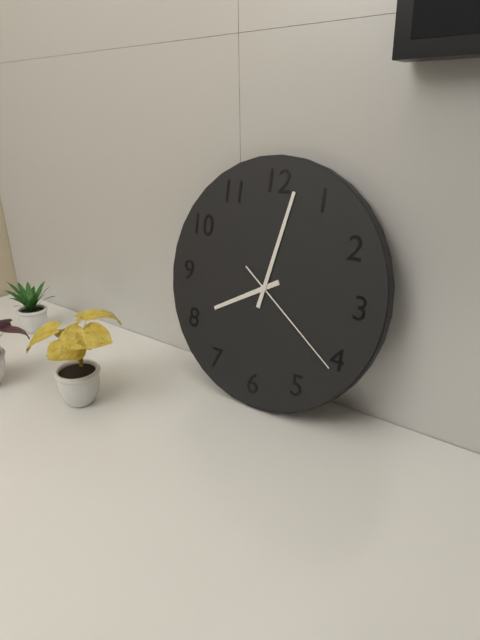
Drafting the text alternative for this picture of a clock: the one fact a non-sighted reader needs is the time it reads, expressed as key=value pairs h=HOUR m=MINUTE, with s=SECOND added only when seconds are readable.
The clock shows h=8 m=2 s=21
